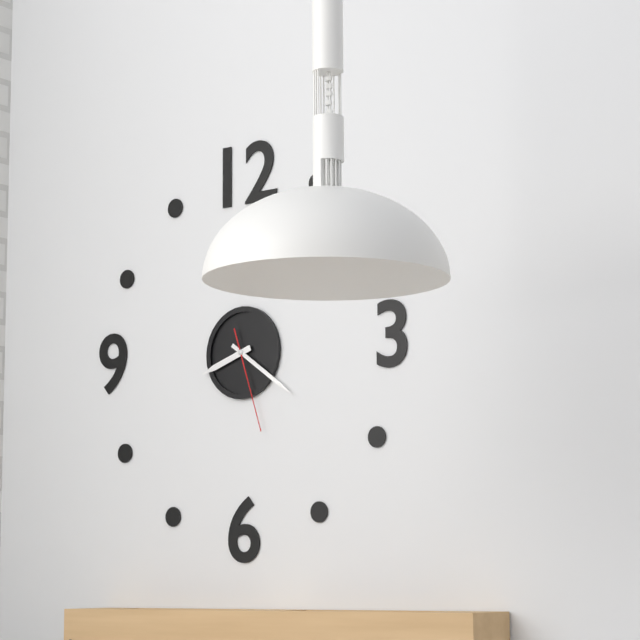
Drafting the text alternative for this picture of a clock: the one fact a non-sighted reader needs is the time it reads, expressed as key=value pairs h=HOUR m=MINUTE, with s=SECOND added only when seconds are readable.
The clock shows h=8 m=21 s=27
